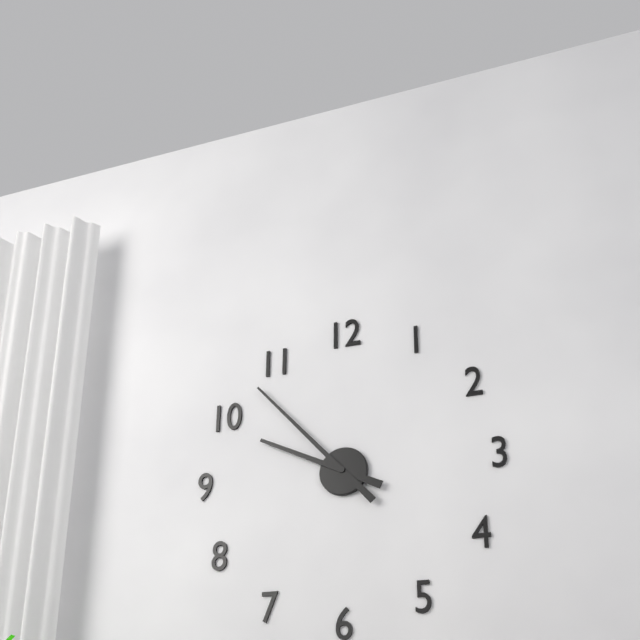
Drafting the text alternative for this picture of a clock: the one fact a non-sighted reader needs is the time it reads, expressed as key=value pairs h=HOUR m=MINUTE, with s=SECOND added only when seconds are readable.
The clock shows h=9 m=53
